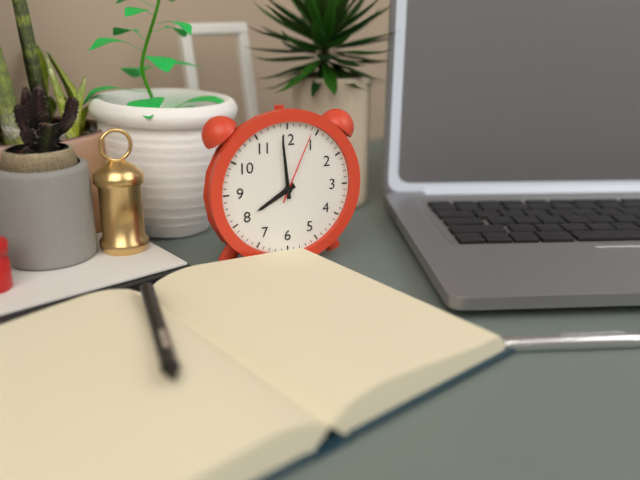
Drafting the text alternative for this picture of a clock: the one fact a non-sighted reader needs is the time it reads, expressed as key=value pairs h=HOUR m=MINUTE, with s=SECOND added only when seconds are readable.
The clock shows h=7 m=59 s=4
